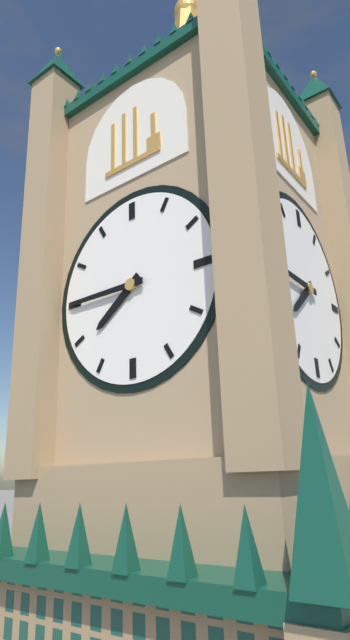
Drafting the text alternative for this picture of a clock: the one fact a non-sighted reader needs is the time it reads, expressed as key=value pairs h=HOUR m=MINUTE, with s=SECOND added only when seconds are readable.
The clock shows h=7 m=45
